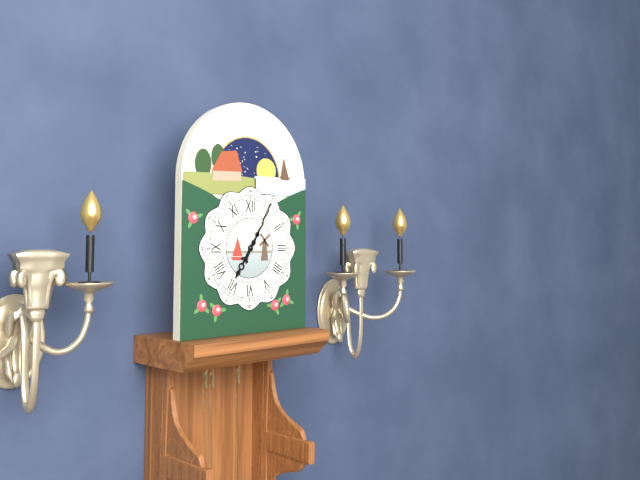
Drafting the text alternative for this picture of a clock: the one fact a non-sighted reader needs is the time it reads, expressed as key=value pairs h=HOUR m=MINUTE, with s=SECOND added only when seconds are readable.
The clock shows h=7 m=5
